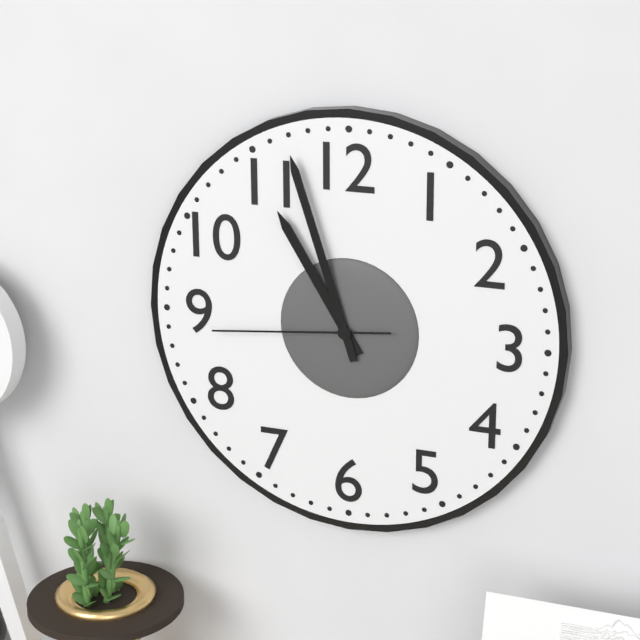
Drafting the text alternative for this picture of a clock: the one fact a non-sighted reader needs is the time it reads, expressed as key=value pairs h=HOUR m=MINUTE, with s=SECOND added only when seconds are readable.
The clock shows h=10 m=57 s=44
